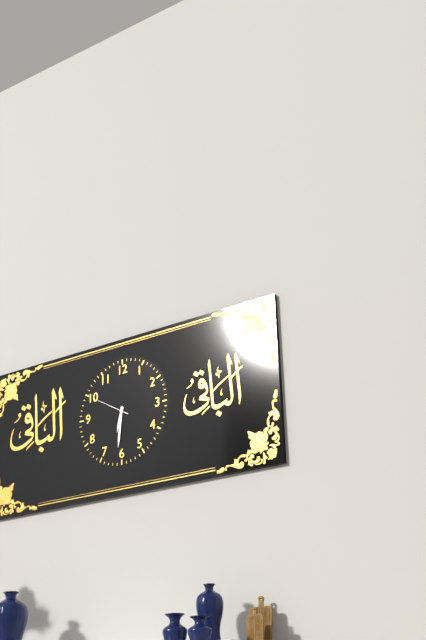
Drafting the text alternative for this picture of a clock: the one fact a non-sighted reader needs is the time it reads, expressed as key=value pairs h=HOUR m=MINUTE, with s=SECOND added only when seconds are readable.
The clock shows h=6 m=31
